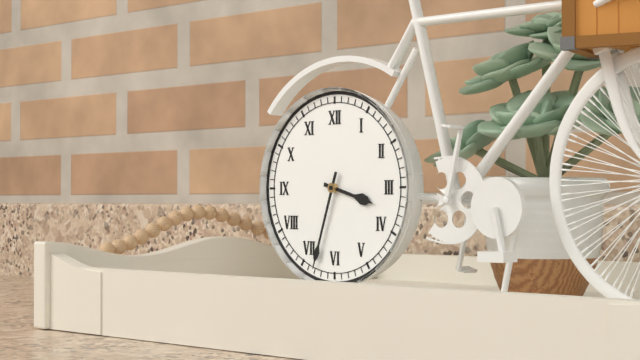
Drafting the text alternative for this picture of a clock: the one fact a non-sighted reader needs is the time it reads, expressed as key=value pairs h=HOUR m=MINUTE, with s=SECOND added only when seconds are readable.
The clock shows h=3 m=33
